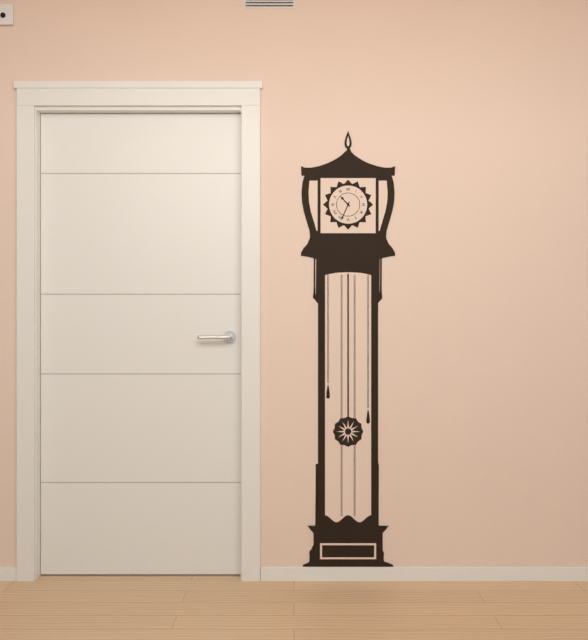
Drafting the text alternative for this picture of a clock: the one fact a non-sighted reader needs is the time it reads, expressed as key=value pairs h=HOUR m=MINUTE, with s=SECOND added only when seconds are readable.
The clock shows h=10 m=34
